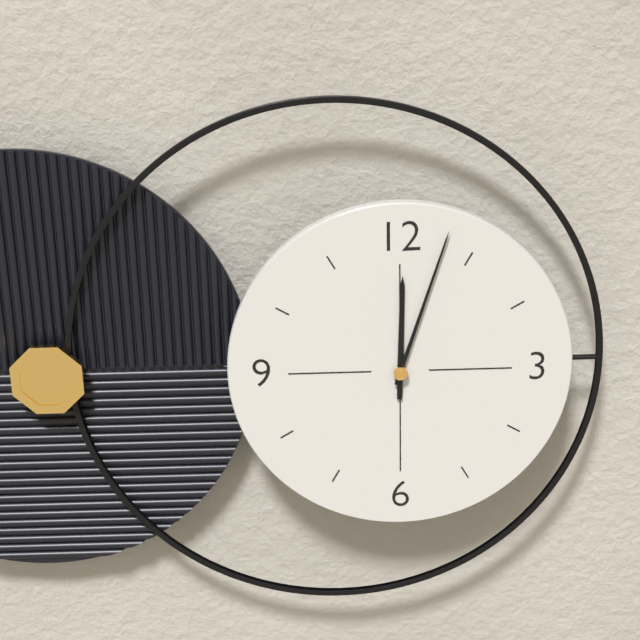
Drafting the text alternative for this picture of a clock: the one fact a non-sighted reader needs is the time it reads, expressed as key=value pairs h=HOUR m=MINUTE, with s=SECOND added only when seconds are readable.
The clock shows h=12 m=3
